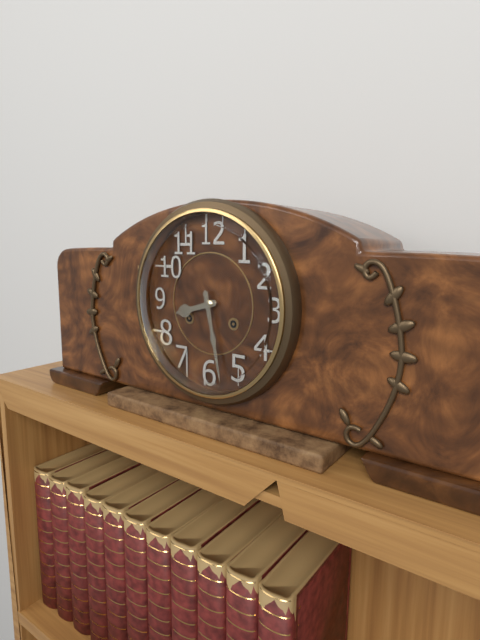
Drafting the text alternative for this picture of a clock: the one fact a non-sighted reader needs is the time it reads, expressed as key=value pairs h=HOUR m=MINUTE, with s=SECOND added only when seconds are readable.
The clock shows h=8 m=28
